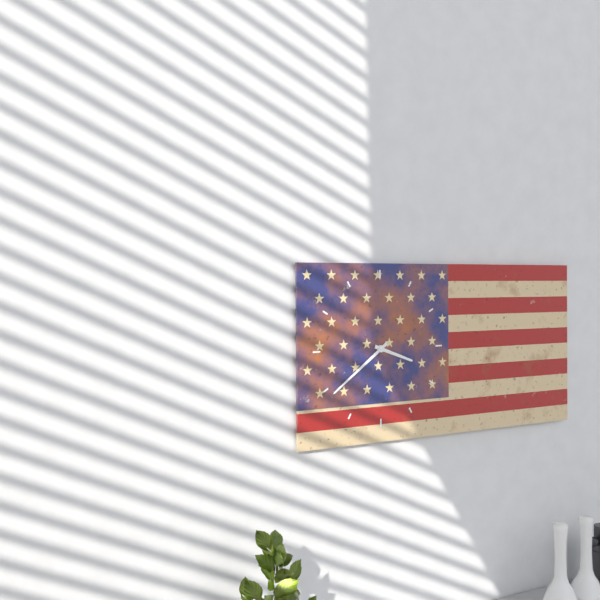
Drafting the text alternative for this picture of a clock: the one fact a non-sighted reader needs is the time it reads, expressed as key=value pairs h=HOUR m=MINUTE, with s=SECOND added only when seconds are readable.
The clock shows h=3 m=39
